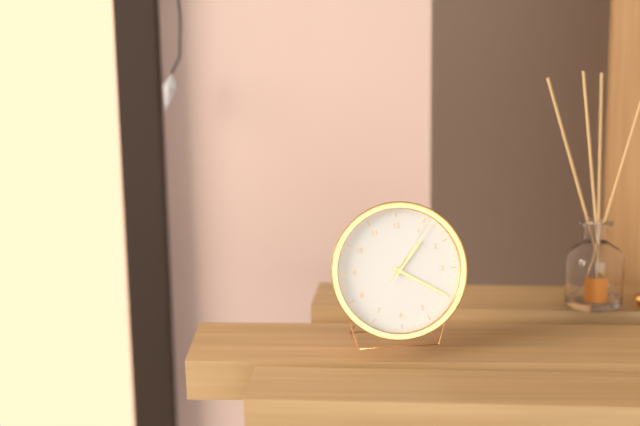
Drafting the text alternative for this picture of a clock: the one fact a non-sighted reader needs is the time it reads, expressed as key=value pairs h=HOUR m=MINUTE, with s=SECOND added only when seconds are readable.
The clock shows h=1 m=20 s=6
